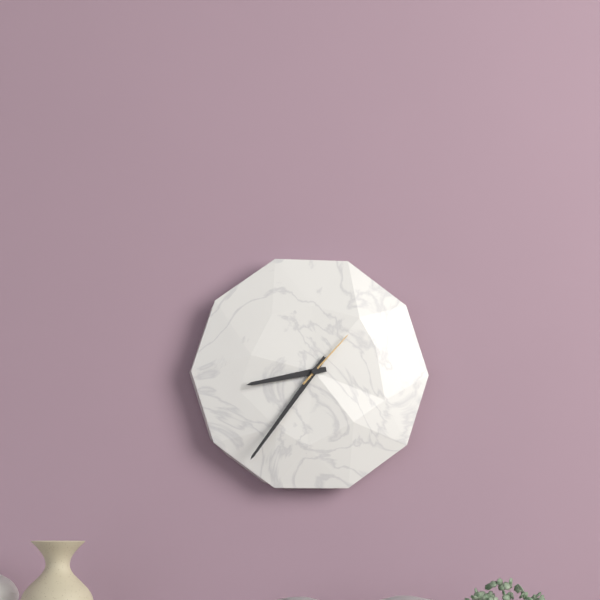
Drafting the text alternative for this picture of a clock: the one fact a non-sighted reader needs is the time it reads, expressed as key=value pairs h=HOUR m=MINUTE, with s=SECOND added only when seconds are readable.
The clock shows h=8 m=36 s=7
